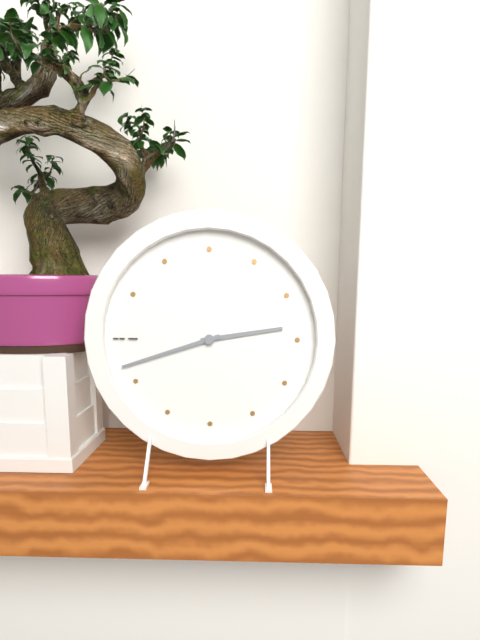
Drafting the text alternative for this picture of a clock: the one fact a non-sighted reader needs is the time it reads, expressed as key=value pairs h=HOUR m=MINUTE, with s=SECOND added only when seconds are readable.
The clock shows h=2 m=42
